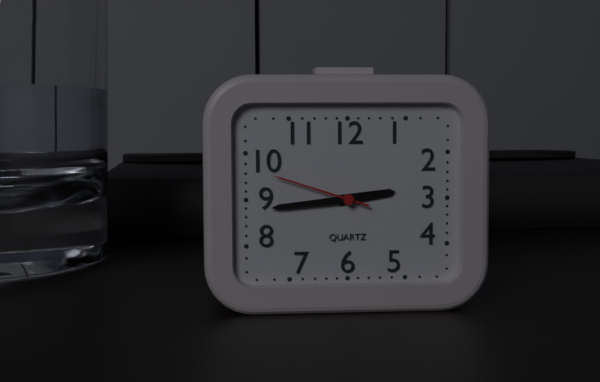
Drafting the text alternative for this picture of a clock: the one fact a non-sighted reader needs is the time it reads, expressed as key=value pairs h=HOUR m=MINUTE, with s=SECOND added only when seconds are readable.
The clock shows h=2 m=44 s=48
